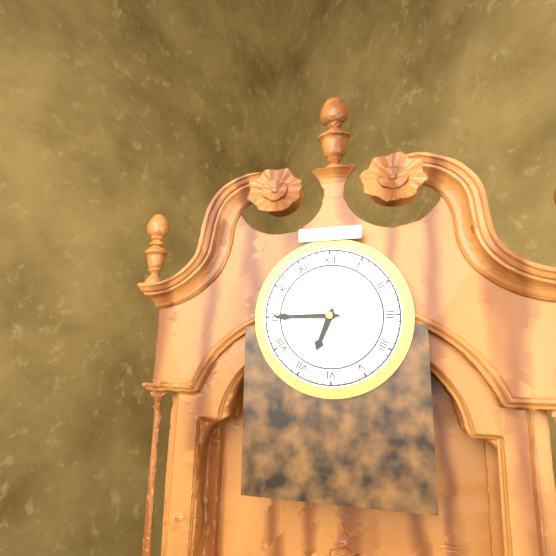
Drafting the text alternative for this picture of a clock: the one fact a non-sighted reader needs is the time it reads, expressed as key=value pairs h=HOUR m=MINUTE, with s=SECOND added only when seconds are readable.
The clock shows h=6 m=45
